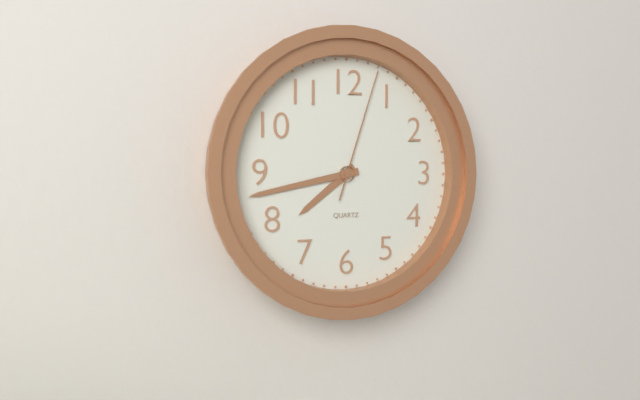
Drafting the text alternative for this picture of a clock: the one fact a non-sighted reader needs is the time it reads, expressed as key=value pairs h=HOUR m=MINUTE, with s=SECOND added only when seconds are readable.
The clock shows h=7 m=43 s=3
